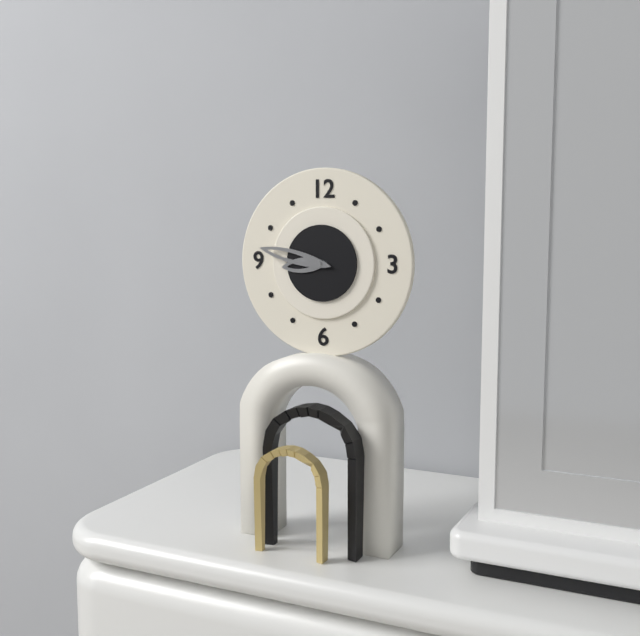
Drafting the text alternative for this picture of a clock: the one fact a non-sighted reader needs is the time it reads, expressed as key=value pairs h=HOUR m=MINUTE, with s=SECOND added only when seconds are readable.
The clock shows h=8 m=47
